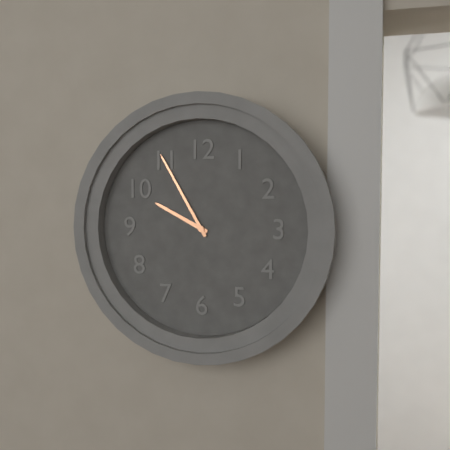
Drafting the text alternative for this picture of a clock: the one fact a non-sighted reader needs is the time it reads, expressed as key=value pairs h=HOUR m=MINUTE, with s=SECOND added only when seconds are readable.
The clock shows h=9 m=55
